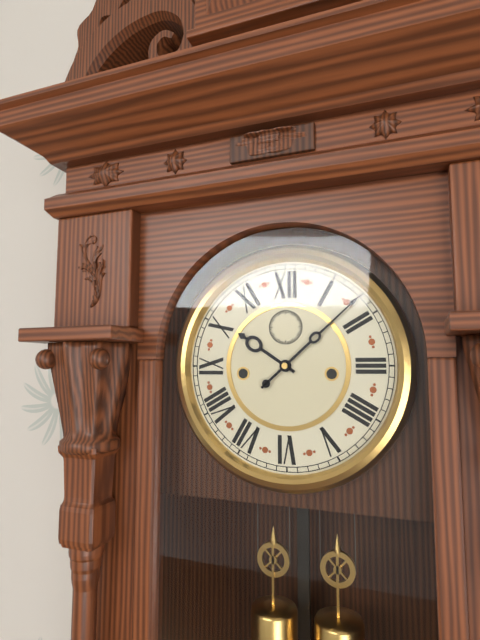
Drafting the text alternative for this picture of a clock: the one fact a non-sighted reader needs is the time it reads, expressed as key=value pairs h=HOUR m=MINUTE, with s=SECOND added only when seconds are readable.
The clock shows h=10 m=8
